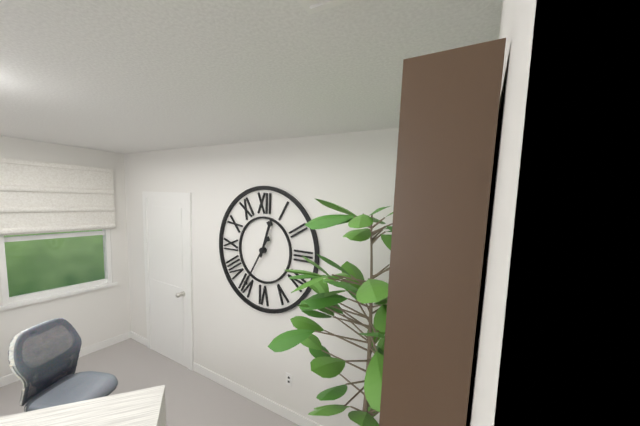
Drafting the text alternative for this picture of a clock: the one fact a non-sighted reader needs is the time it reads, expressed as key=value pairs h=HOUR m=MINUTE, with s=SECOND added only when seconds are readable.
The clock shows h=12 m=35
